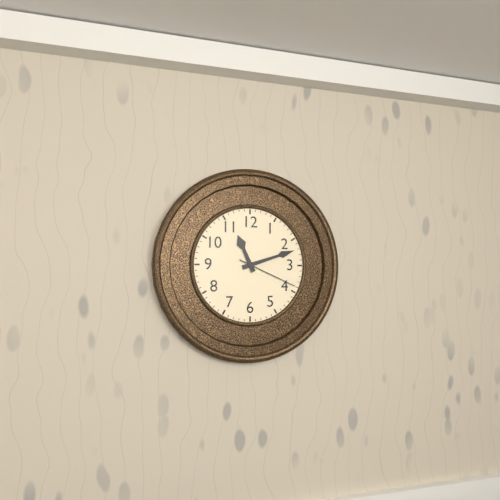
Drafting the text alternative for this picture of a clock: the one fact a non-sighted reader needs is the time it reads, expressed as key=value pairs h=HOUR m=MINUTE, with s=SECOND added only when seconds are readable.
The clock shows h=11 m=12 s=19
